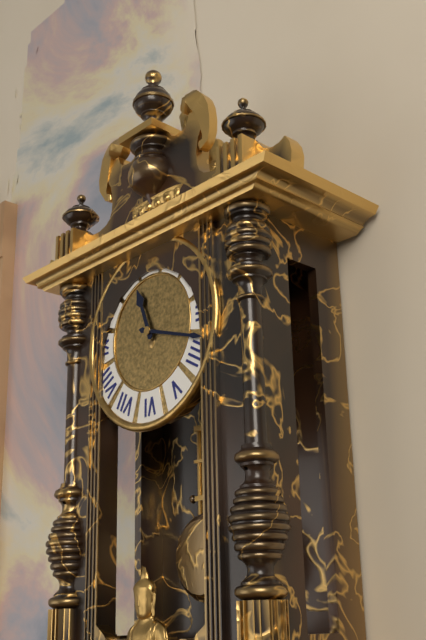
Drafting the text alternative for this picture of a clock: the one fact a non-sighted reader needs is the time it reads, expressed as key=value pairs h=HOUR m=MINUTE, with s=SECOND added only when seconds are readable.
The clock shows h=11 m=18
